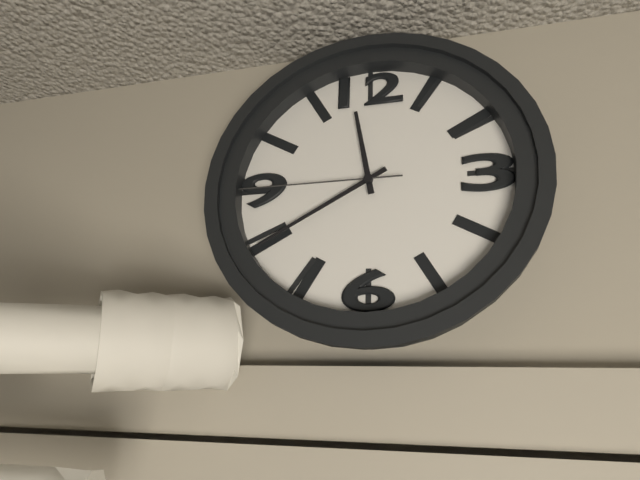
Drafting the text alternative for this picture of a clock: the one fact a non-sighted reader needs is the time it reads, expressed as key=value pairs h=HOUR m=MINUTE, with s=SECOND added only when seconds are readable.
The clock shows h=11 m=40 s=45
